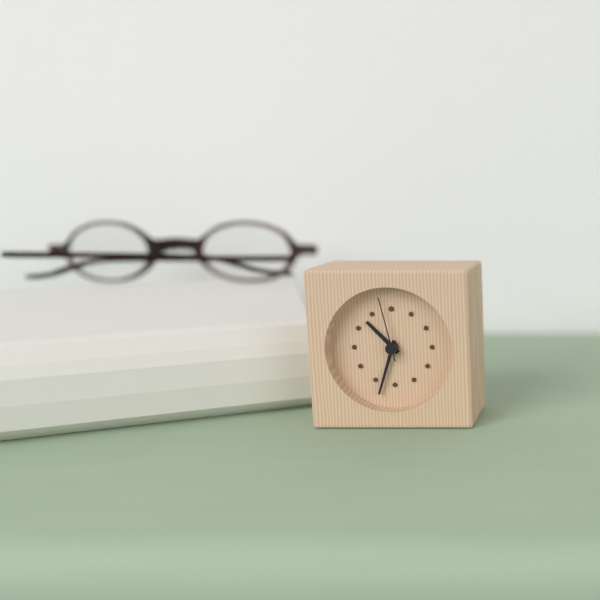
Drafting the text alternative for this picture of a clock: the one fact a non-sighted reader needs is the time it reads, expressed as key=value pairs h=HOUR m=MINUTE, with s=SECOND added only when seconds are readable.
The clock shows h=10 m=33 s=58
